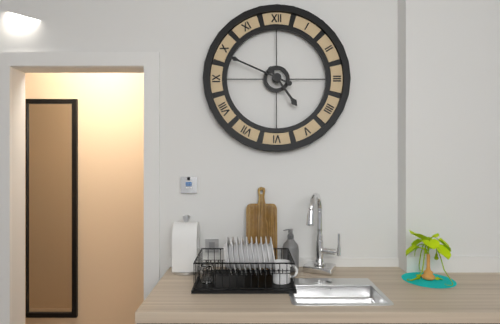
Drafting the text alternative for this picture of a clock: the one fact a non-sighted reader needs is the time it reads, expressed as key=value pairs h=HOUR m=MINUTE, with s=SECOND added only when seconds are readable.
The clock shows h=4 m=49
